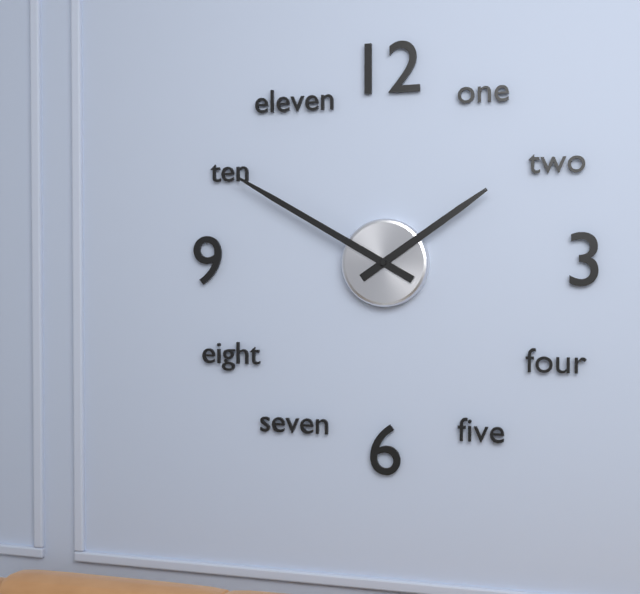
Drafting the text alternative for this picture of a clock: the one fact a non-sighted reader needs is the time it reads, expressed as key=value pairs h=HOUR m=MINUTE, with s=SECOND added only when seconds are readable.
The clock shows h=1 m=50
